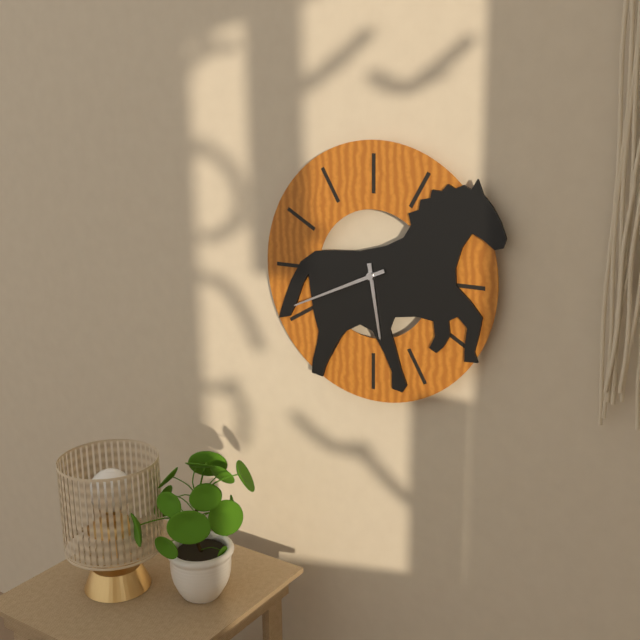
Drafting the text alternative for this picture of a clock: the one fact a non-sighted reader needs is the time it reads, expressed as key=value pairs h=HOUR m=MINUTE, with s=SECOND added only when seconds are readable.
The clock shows h=5 m=41
